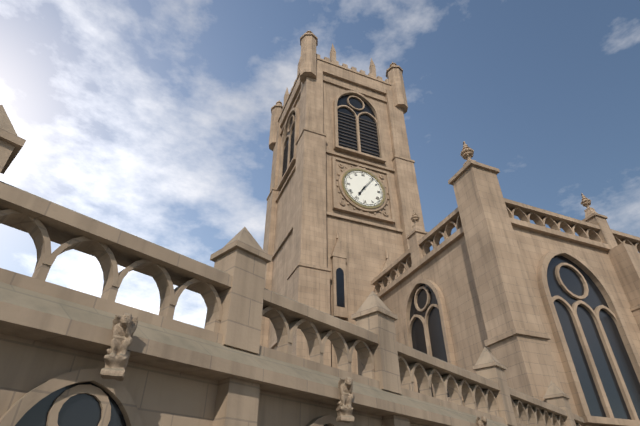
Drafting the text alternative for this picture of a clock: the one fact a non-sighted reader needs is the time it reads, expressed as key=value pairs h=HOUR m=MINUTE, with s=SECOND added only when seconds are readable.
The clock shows h=7 m=6
